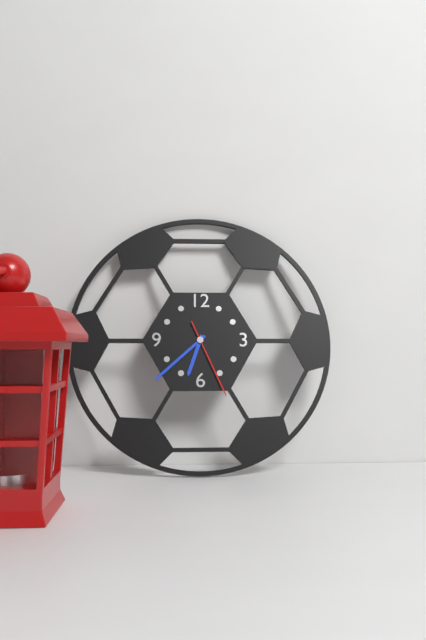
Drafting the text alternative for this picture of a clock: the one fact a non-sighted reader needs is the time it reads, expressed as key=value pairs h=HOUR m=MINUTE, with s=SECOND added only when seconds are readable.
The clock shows h=6 m=38 s=26
